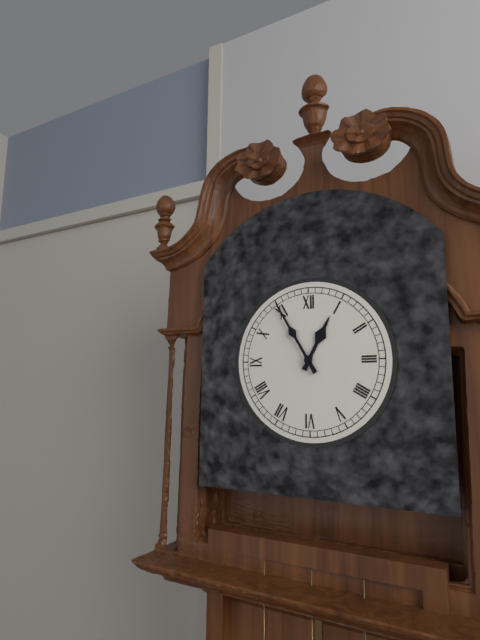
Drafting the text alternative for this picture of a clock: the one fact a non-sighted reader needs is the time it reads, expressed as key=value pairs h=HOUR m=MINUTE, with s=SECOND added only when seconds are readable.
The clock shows h=12 m=55
